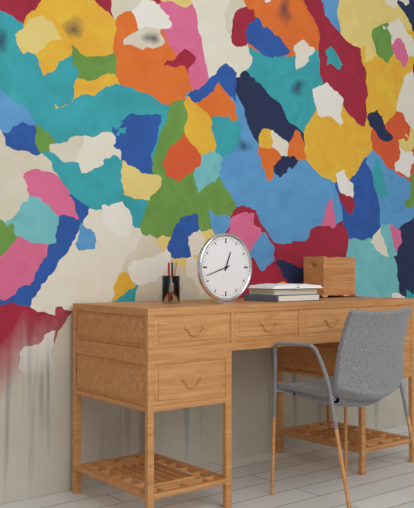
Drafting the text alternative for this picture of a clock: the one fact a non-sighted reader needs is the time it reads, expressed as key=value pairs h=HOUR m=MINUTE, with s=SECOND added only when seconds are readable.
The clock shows h=12 m=42
